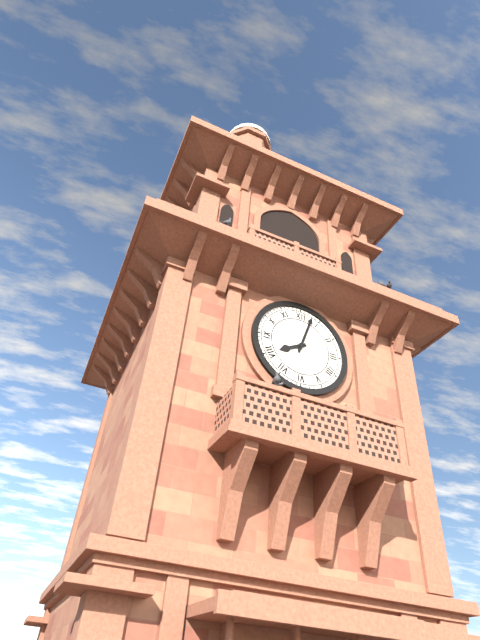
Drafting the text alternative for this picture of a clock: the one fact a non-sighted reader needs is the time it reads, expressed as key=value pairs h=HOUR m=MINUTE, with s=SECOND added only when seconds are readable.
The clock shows h=8 m=3
